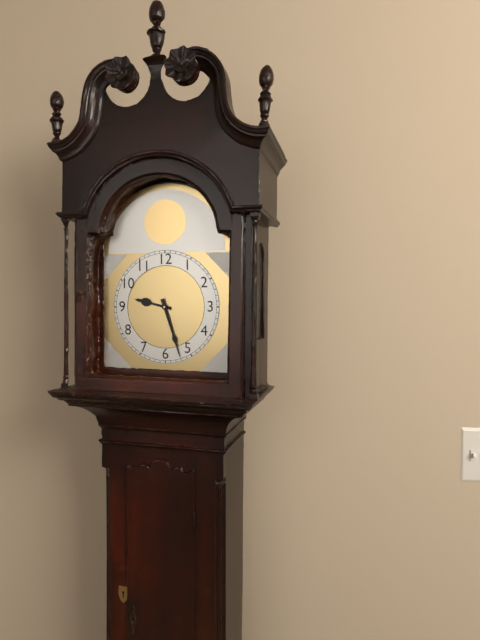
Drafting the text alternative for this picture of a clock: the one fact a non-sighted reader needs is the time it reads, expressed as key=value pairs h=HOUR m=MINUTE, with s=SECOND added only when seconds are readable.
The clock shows h=9 m=27
